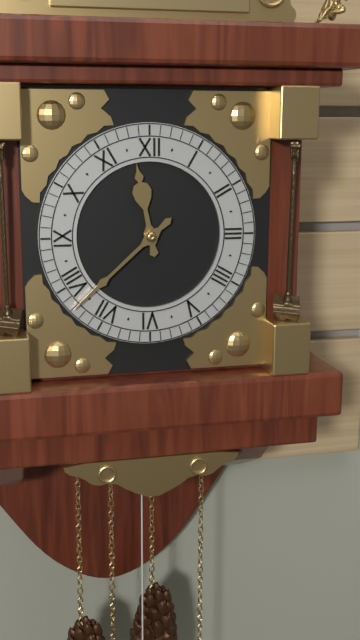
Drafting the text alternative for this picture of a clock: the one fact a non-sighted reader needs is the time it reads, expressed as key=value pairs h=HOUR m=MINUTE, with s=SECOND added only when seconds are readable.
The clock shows h=11 m=38
